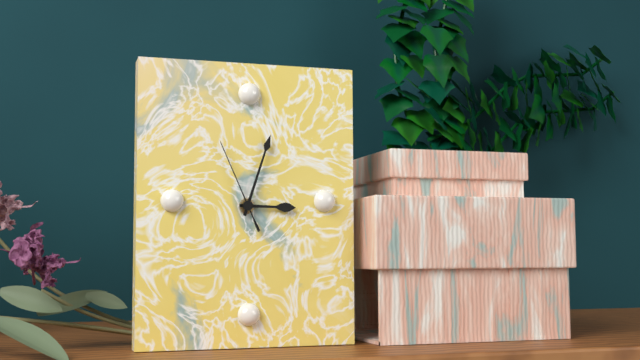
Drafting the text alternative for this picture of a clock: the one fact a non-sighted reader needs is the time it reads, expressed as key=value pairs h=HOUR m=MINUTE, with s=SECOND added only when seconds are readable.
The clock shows h=3 m=3 s=56
